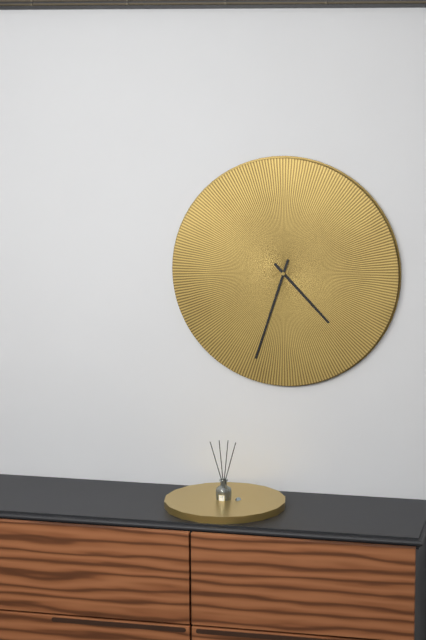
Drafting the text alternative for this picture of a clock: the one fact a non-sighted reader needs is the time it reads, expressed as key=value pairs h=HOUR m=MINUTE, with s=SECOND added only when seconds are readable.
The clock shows h=4 m=33
